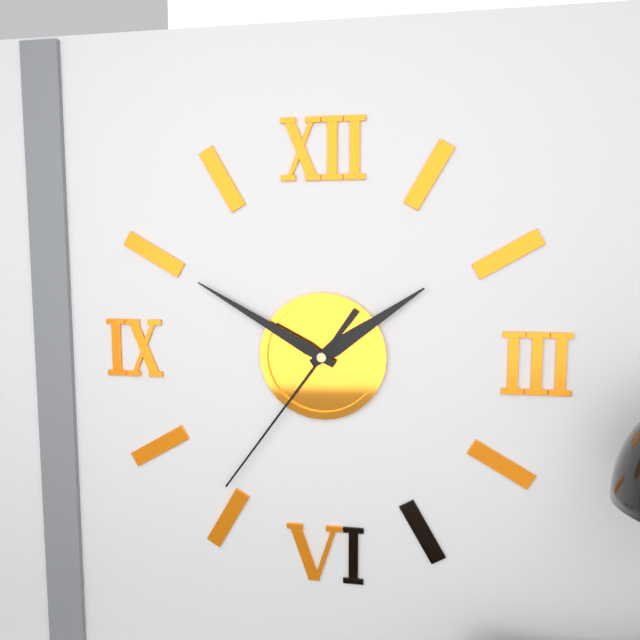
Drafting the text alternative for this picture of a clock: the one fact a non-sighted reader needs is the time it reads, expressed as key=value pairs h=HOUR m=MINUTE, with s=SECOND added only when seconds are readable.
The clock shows h=1 m=50 s=36
